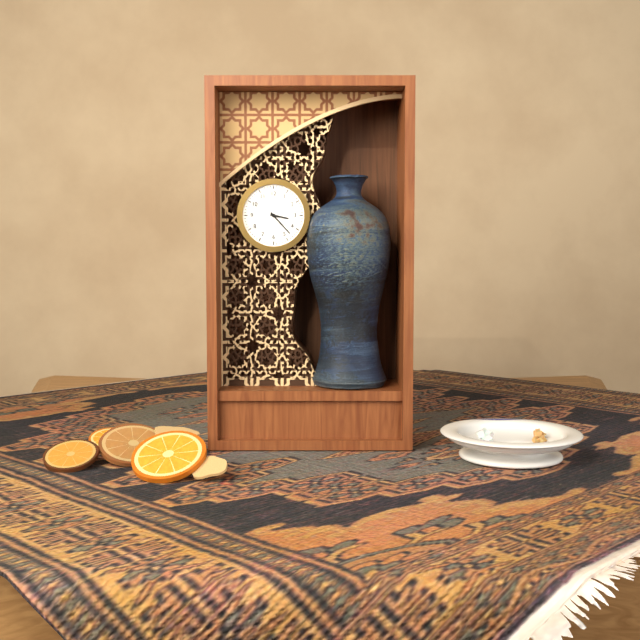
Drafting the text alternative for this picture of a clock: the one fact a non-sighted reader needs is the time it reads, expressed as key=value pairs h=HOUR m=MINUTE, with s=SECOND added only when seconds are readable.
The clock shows h=3 m=23
